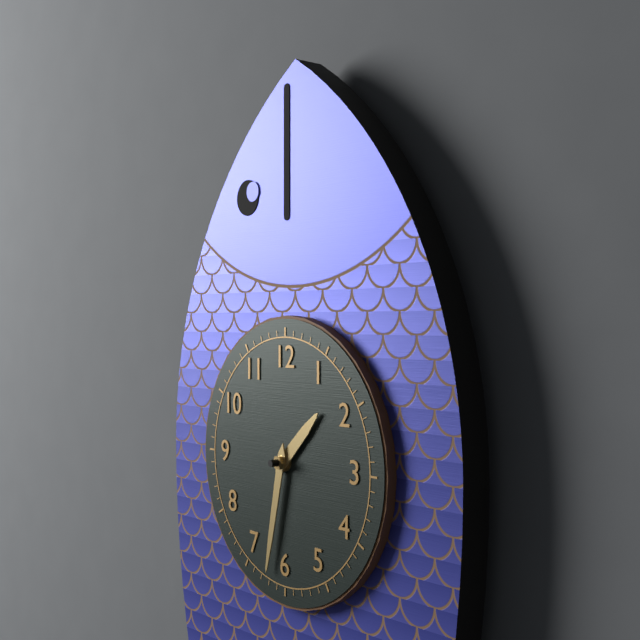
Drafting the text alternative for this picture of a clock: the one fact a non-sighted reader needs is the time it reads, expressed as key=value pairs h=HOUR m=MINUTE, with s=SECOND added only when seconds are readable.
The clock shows h=1 m=32
